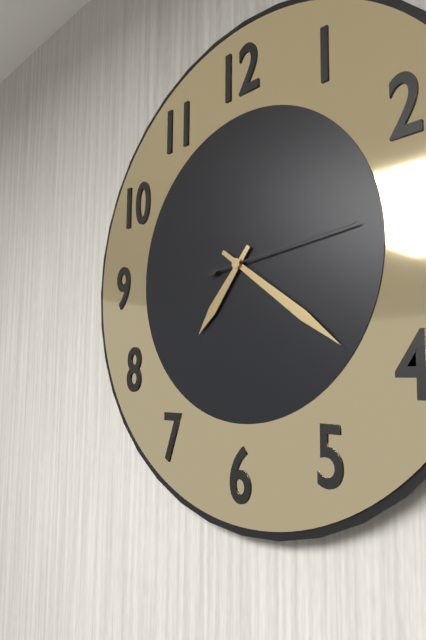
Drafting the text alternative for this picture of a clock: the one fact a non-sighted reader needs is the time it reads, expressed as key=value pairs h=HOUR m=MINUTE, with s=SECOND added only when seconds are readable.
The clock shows h=7 m=21 s=14
